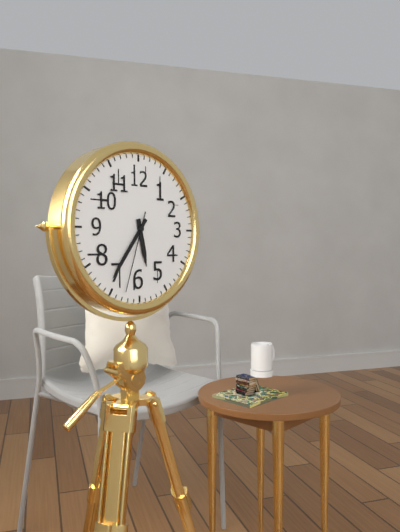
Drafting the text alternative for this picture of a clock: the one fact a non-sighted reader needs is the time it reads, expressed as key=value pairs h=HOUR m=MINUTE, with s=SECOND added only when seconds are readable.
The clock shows h=5 m=36 s=33
